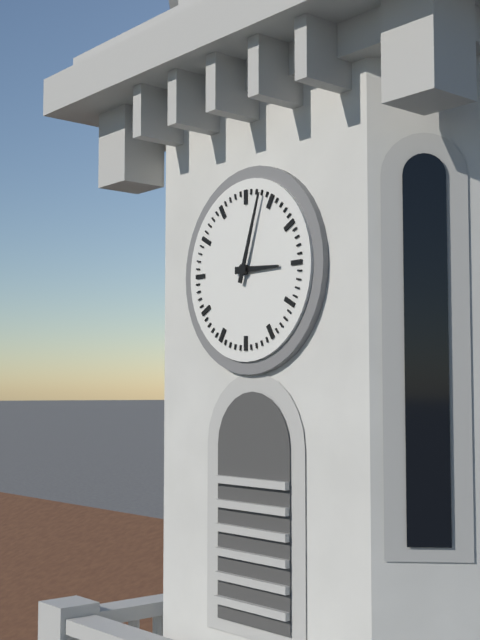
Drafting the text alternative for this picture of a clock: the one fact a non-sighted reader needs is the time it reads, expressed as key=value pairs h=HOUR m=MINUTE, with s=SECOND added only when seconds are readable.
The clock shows h=3 m=3
